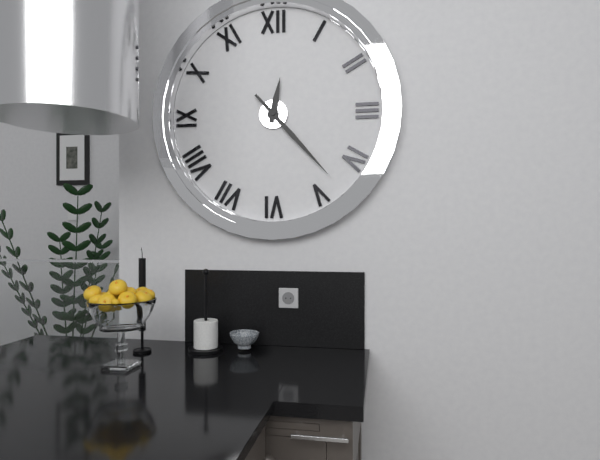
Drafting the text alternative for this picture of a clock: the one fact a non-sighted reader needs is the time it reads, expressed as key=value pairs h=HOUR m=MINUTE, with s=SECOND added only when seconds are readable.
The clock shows h=12 m=23
